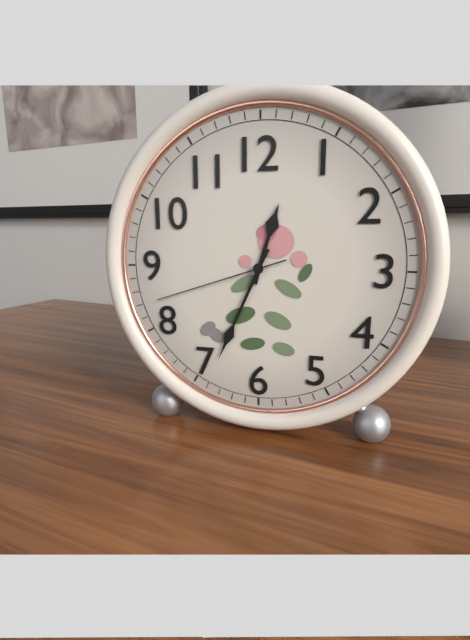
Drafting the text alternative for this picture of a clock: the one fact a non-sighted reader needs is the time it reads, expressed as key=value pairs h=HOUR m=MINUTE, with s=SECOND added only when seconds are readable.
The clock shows h=12 m=34 s=42
